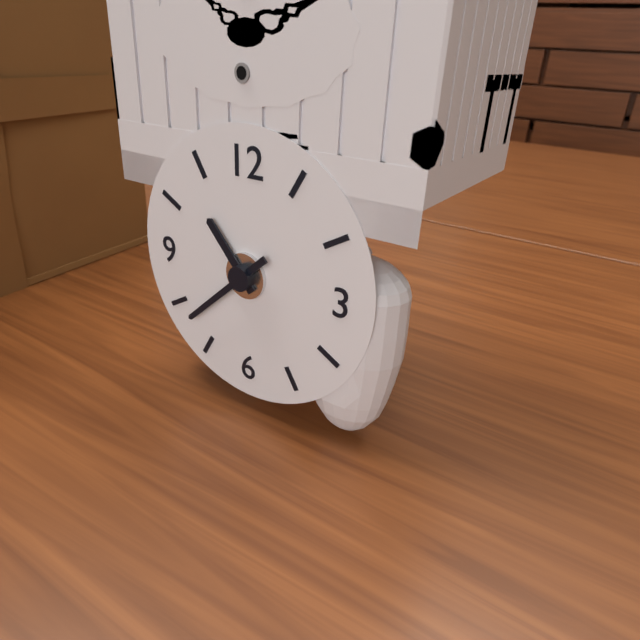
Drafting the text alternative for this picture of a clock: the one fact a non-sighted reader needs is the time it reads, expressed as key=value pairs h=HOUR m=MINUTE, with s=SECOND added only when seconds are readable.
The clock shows h=10 m=38
